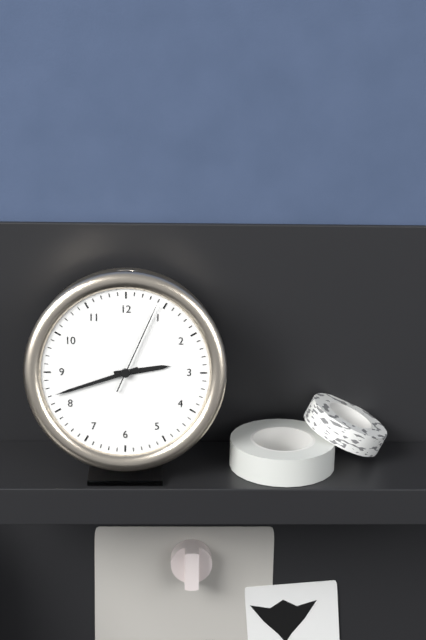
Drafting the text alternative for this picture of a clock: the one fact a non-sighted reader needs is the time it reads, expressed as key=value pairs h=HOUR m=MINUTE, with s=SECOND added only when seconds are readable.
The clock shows h=2 m=42 s=4
